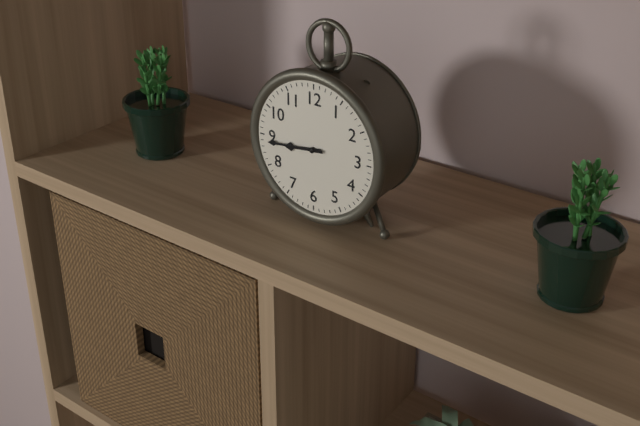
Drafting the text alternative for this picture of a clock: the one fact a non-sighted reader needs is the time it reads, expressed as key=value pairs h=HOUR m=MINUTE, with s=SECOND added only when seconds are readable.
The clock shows h=8 m=44
